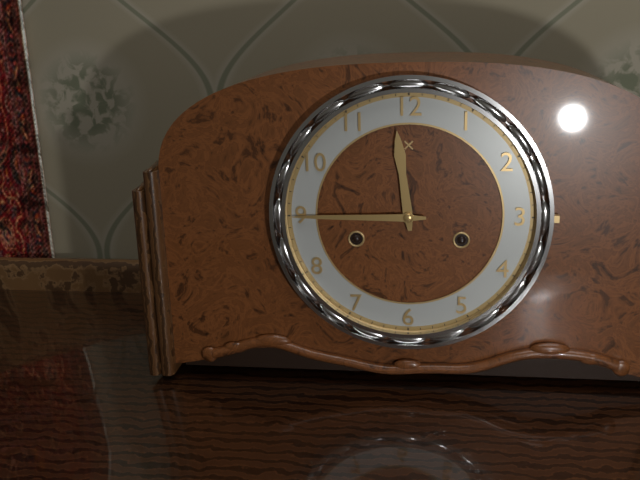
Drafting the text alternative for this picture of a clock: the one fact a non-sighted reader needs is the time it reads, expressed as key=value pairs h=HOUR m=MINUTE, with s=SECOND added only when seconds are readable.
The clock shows h=11 m=45
